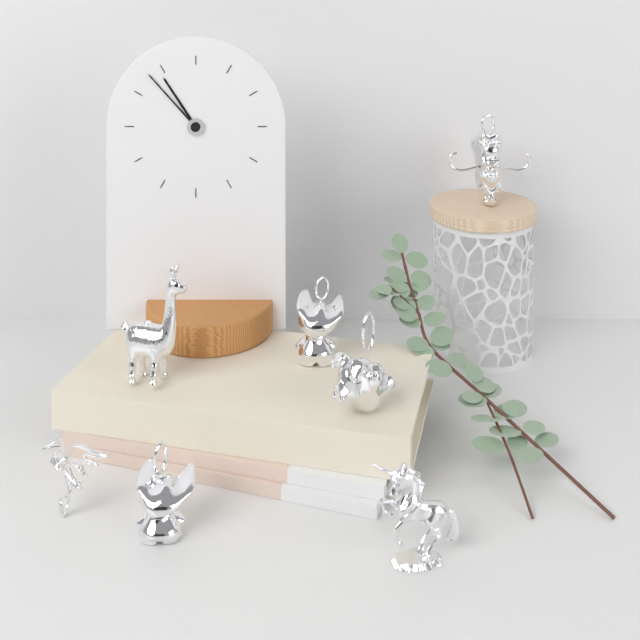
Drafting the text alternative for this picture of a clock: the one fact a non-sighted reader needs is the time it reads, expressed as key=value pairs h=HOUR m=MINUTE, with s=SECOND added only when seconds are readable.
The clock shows h=10 m=53
